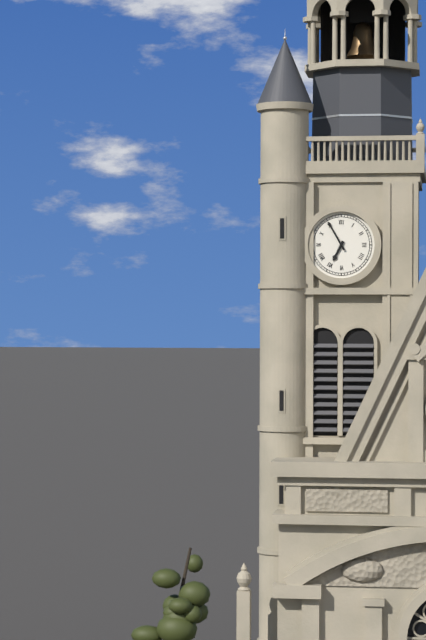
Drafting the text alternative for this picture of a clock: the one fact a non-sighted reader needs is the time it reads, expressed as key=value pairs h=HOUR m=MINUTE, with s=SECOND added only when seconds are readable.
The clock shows h=6 m=55
